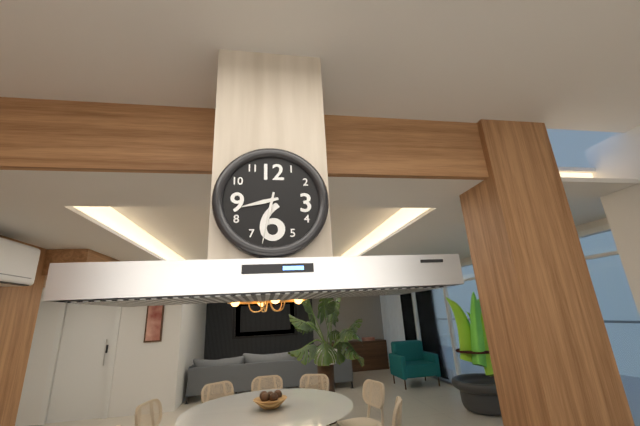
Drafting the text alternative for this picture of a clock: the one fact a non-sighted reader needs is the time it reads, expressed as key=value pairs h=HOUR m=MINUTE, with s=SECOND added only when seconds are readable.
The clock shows h=8 m=32
